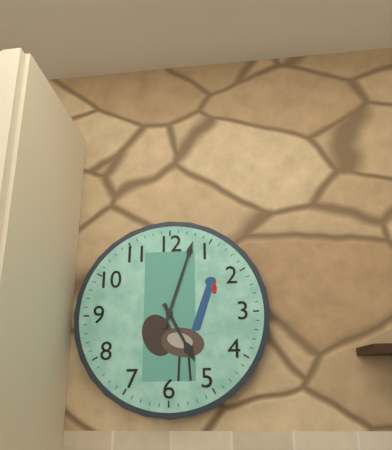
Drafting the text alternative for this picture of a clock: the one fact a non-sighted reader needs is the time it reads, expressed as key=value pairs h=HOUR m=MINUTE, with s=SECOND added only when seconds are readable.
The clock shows h=5 m=3
